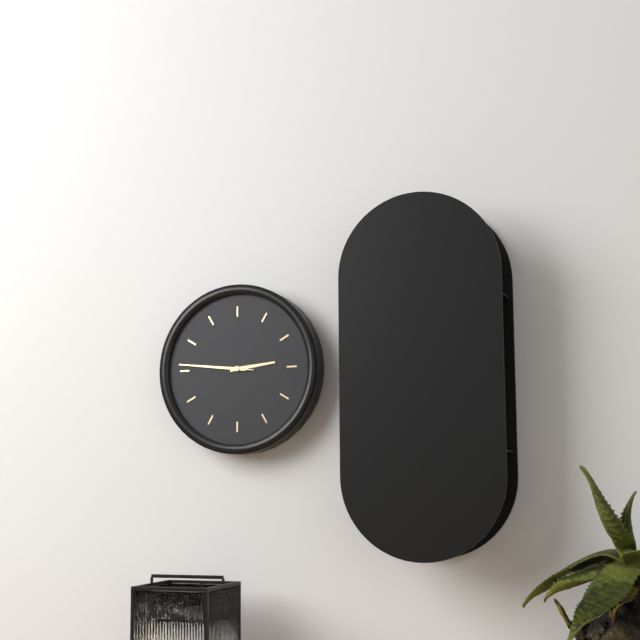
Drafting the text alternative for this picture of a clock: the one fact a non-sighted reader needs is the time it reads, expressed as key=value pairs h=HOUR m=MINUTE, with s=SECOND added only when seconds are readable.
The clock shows h=2 m=46 s=46
